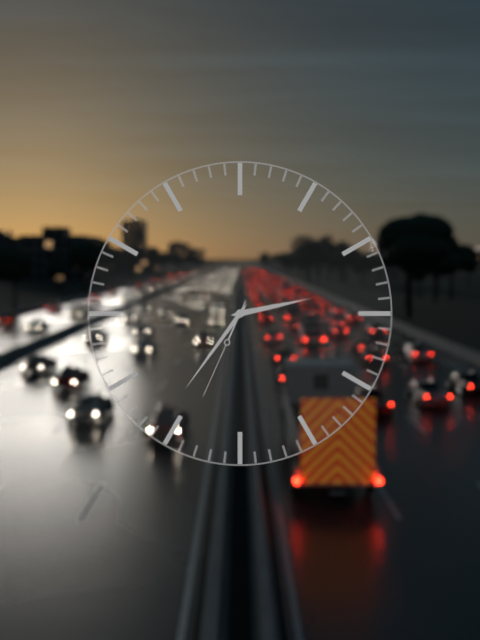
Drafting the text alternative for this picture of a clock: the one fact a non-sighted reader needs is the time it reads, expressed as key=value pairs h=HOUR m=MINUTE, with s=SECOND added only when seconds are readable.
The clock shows h=2 m=36 s=34
